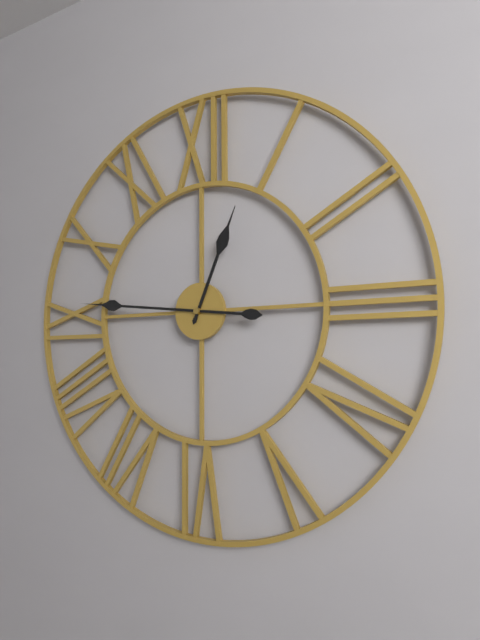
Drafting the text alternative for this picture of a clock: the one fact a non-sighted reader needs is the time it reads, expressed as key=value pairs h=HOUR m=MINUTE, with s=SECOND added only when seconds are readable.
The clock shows h=12 m=46
